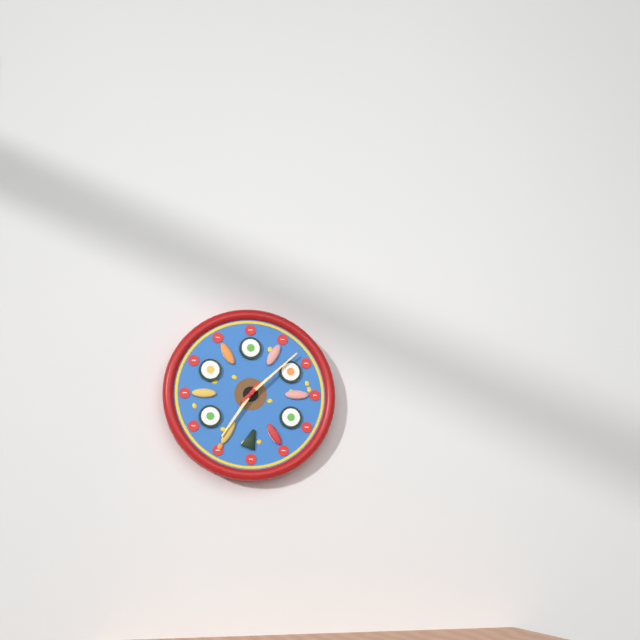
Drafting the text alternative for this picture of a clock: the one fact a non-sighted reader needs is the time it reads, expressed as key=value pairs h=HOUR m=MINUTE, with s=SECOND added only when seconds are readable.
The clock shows h=7 m=8
